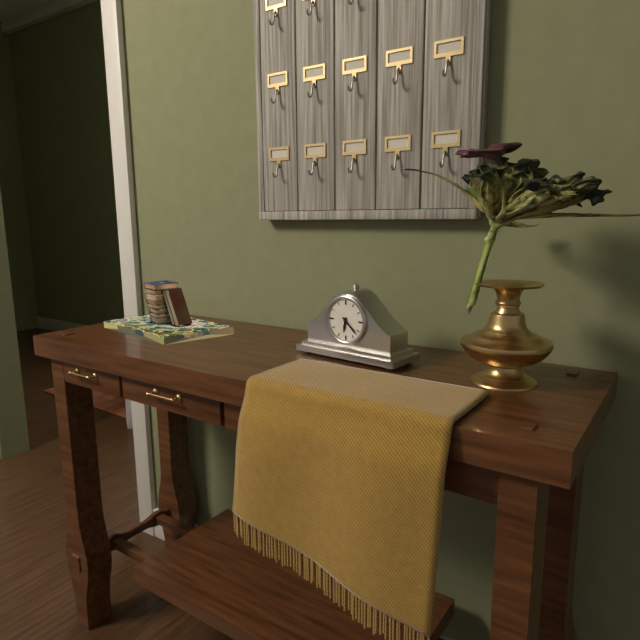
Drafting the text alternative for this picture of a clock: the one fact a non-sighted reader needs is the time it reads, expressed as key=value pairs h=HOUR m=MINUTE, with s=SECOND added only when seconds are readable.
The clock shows h=6 m=22
